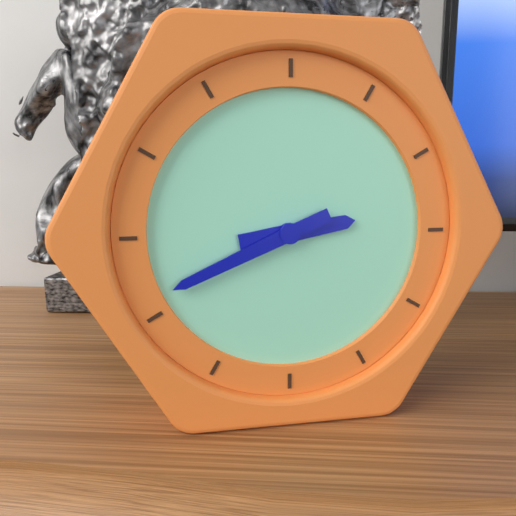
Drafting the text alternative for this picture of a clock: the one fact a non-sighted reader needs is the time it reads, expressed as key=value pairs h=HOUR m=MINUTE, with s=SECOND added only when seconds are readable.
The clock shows h=2 m=41
